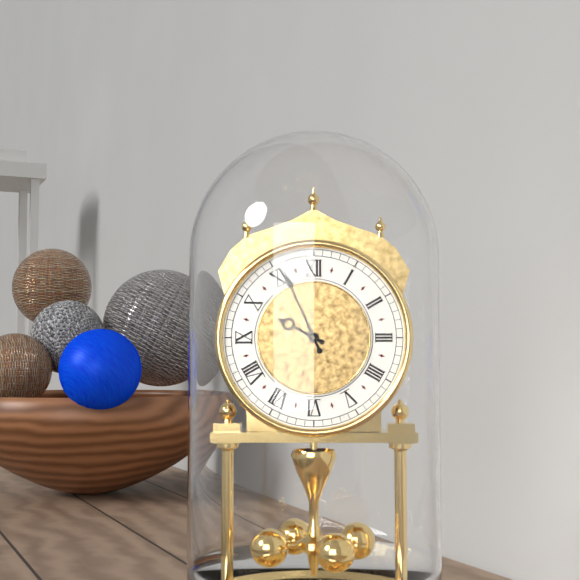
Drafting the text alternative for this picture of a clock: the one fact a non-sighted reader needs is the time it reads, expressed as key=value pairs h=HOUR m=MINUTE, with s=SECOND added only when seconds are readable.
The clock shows h=9 m=56
